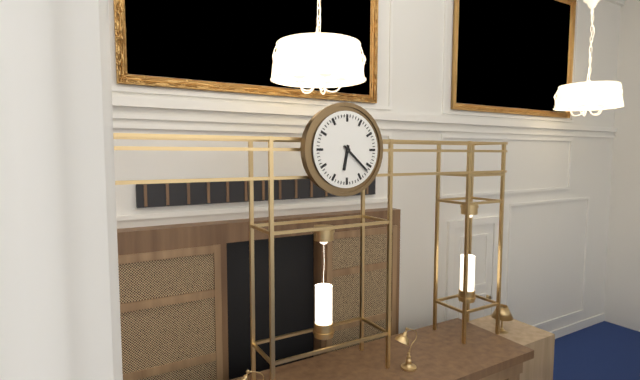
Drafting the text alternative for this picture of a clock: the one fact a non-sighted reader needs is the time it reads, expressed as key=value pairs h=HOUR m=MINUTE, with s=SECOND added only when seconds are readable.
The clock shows h=6 m=22
